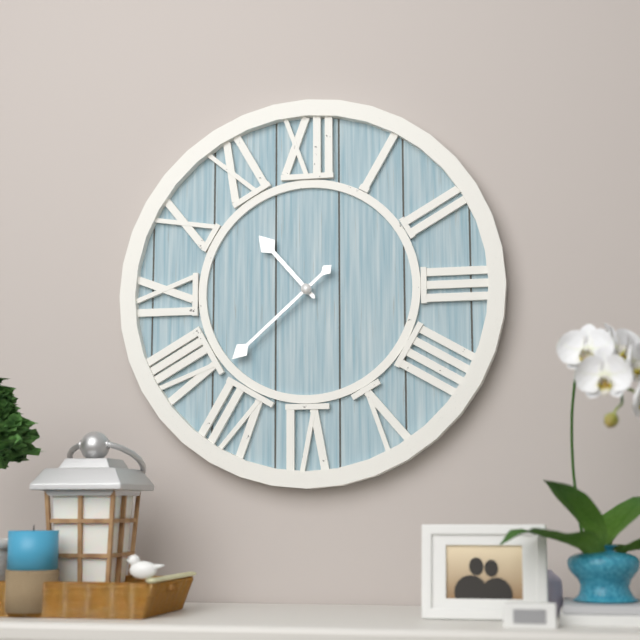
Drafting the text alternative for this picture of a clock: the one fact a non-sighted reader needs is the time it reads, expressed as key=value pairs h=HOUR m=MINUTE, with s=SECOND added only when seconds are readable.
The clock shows h=10 m=38
